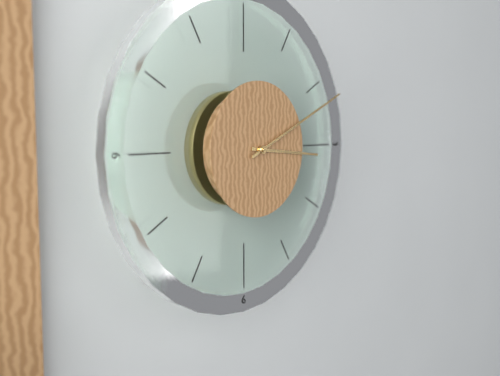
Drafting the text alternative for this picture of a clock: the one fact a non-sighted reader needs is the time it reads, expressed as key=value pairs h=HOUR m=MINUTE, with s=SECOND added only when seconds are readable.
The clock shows h=3 m=11
